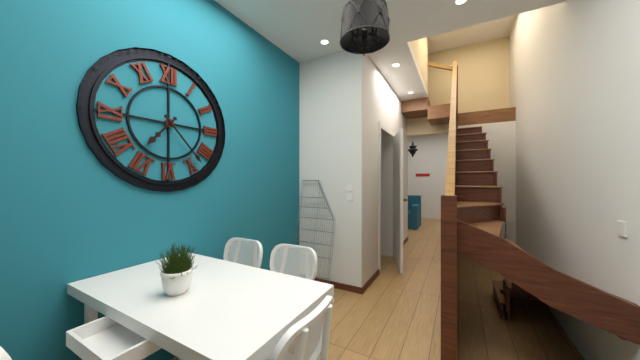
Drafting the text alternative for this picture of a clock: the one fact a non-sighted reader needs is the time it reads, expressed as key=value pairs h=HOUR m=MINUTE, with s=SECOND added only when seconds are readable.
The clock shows h=7 m=23
